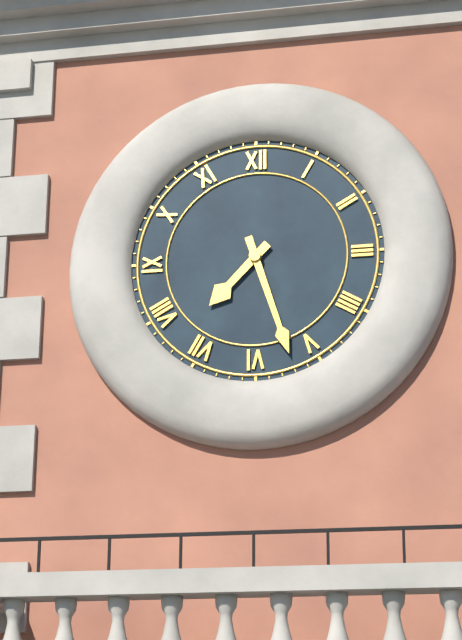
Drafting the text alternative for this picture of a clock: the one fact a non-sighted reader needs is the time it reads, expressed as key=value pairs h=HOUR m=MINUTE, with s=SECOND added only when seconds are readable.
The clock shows h=7 m=27
